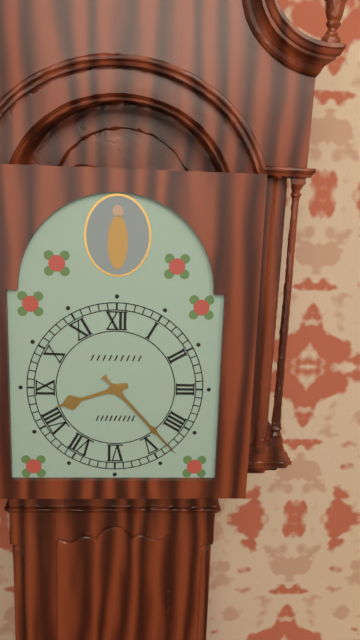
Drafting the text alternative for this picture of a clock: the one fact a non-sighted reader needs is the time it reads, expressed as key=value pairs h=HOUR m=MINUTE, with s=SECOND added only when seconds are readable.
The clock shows h=8 m=23
